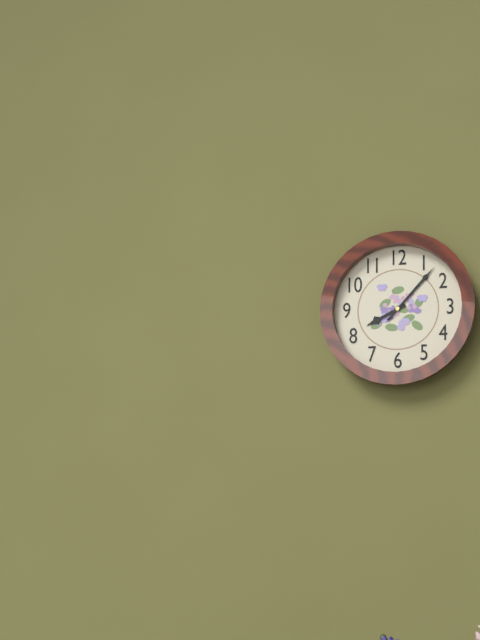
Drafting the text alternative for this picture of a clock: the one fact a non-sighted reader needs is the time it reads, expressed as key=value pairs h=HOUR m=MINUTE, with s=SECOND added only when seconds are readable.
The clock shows h=8 m=7
